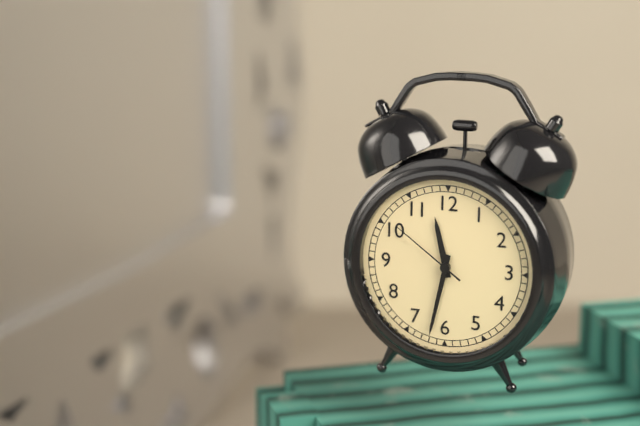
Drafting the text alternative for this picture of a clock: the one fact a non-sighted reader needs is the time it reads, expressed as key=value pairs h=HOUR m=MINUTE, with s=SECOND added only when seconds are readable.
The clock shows h=11 m=32 s=51
